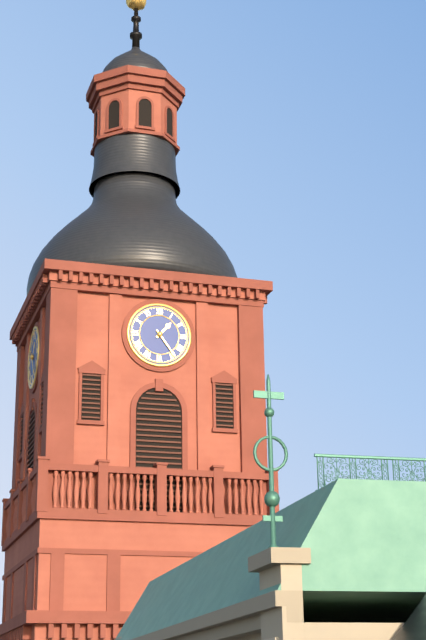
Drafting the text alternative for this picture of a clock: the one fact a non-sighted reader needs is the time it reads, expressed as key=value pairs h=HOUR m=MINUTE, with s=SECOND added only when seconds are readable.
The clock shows h=1 m=24
